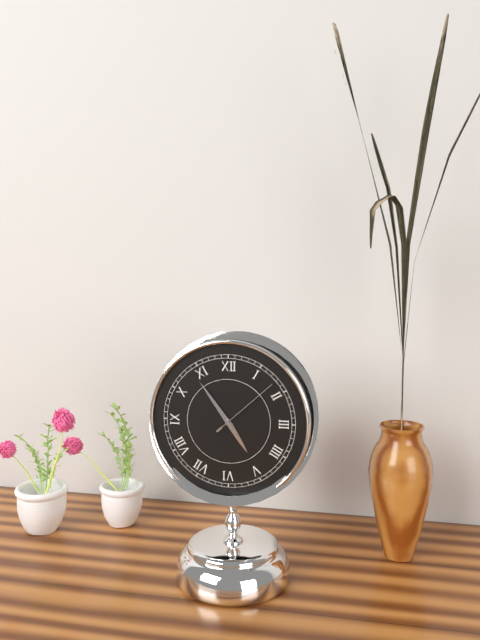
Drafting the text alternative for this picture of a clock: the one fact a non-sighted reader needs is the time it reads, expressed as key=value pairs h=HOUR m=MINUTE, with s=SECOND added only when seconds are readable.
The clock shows h=4 m=54 s=8
